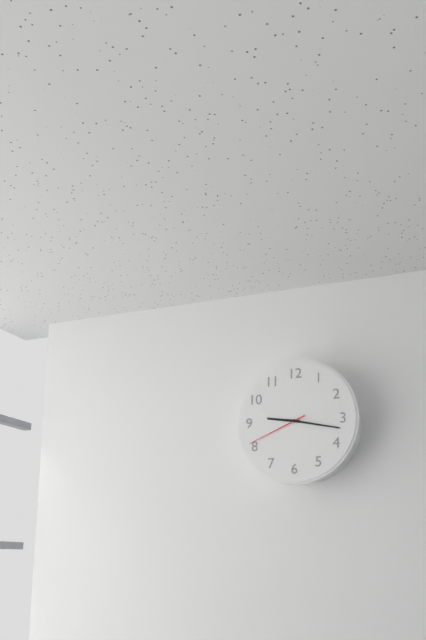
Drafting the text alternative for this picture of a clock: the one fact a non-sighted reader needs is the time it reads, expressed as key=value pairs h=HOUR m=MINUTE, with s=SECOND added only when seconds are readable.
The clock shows h=9 m=17 s=41
